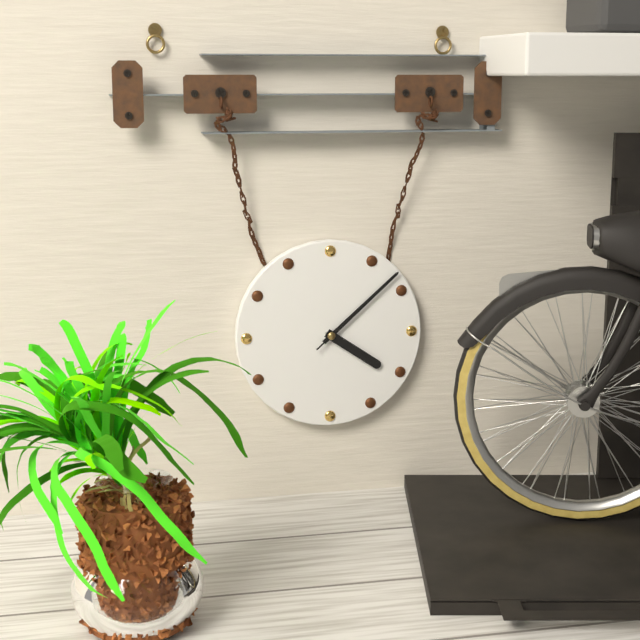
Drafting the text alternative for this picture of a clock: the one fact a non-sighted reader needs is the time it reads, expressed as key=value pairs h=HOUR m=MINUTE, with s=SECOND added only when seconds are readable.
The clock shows h=4 m=8 s=8
